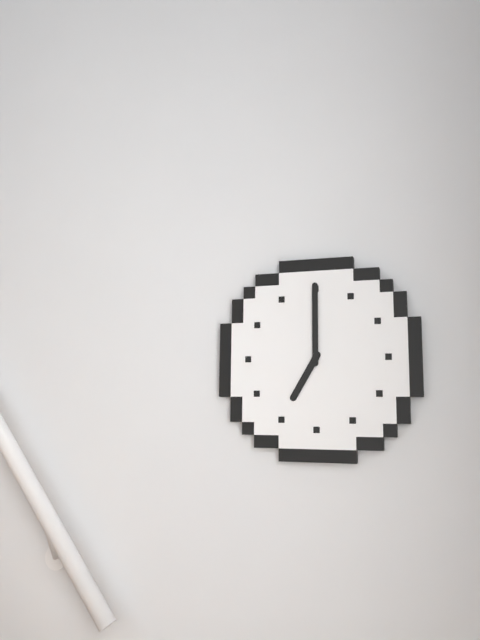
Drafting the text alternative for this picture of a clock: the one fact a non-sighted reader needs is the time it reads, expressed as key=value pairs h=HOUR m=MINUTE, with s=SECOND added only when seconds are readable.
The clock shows h=7 m=0
